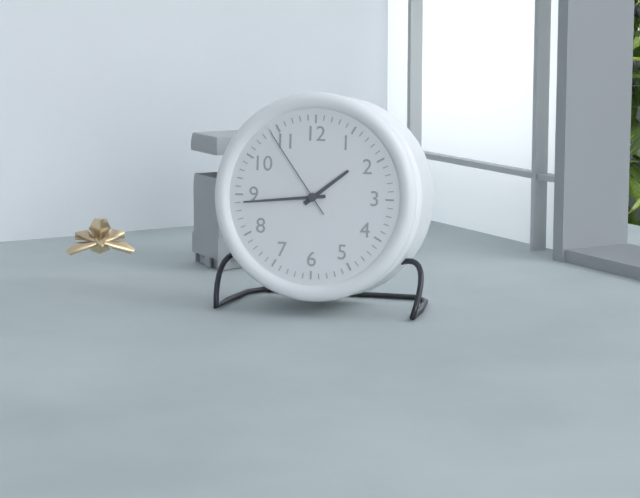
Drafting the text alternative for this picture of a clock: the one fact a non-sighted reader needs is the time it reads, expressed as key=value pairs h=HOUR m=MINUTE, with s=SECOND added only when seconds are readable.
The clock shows h=1 m=44 s=54
